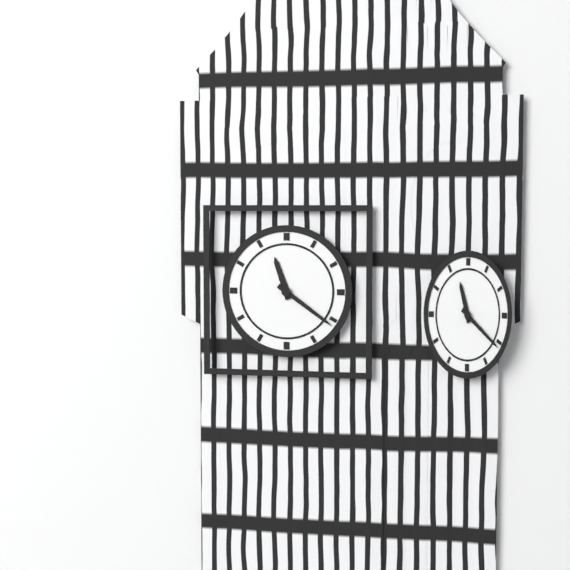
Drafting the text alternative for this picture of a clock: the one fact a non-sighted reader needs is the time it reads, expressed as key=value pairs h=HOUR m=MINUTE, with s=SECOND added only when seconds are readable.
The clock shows h=11 m=21
